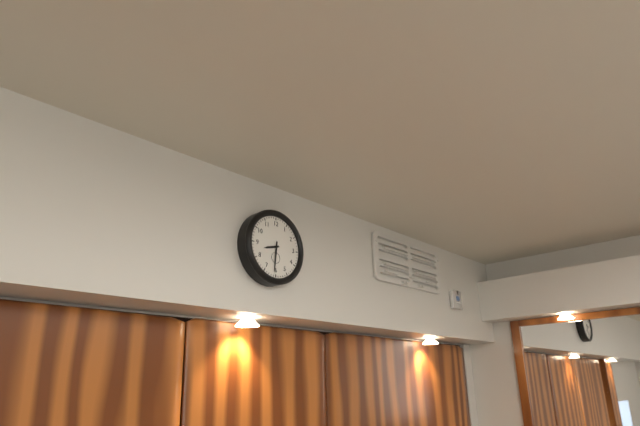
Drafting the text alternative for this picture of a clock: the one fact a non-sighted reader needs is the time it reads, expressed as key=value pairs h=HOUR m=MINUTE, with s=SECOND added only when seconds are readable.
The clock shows h=8 m=31
